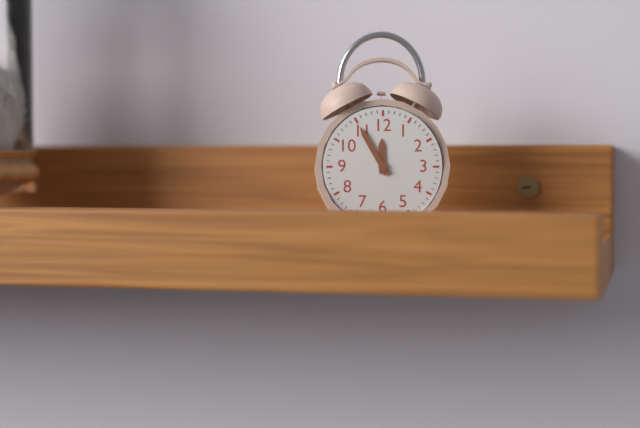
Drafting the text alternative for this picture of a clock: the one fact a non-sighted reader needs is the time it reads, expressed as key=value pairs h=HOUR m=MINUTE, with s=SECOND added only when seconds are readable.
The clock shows h=11 m=55
